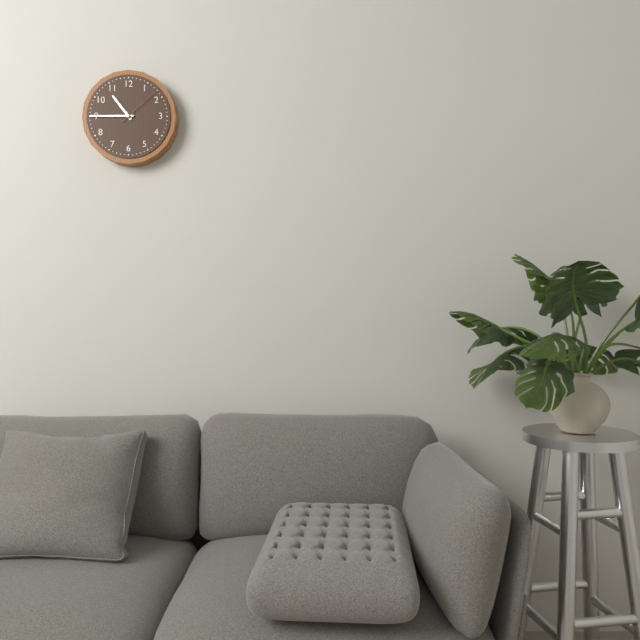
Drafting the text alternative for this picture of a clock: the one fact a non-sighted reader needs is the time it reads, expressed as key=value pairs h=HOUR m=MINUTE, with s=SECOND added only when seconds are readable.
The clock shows h=10 m=45
